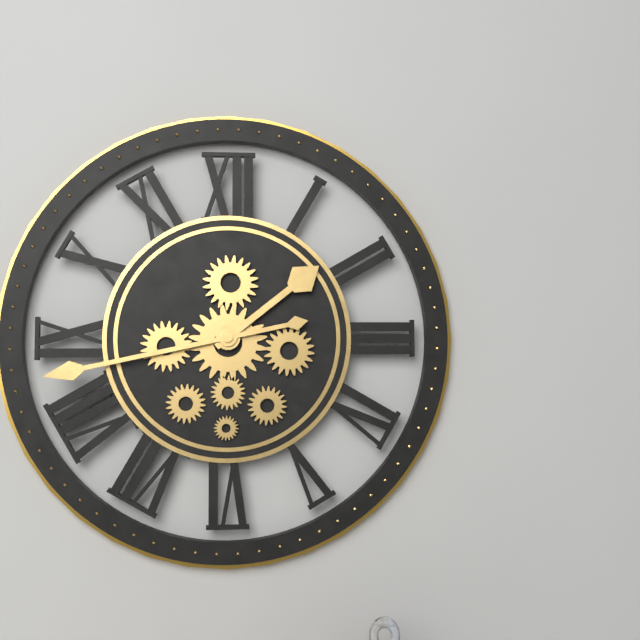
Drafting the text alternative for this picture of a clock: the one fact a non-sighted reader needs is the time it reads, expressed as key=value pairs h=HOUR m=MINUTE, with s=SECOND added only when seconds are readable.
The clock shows h=1 m=43
